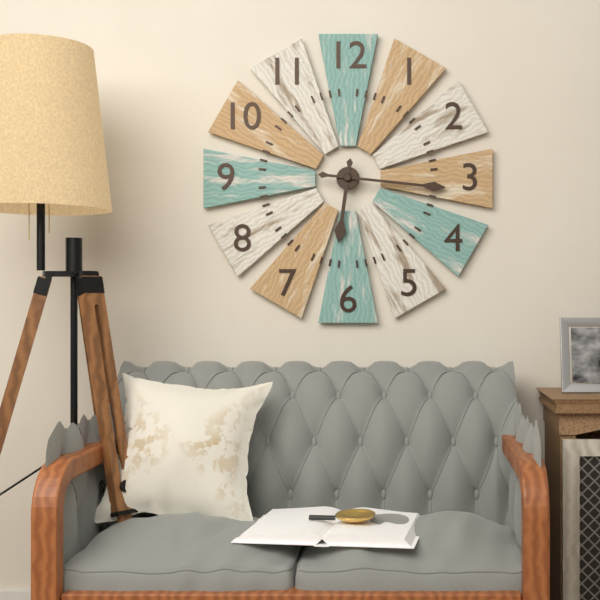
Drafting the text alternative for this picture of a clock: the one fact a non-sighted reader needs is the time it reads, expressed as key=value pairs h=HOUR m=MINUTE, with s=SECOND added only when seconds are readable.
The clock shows h=6 m=16
